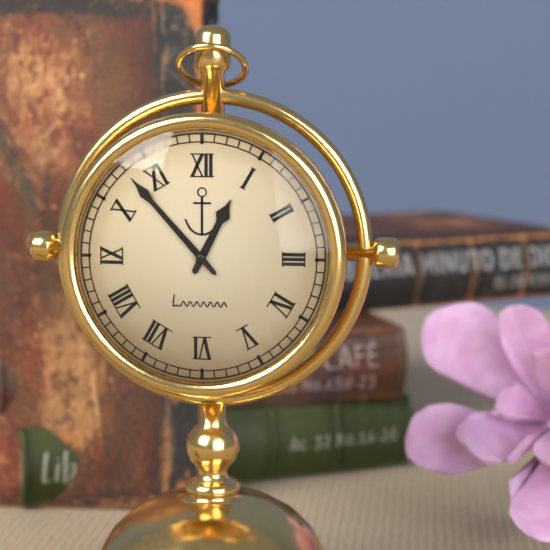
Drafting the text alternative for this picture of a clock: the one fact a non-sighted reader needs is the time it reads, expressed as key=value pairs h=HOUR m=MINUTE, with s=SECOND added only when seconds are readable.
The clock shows h=12 m=53
